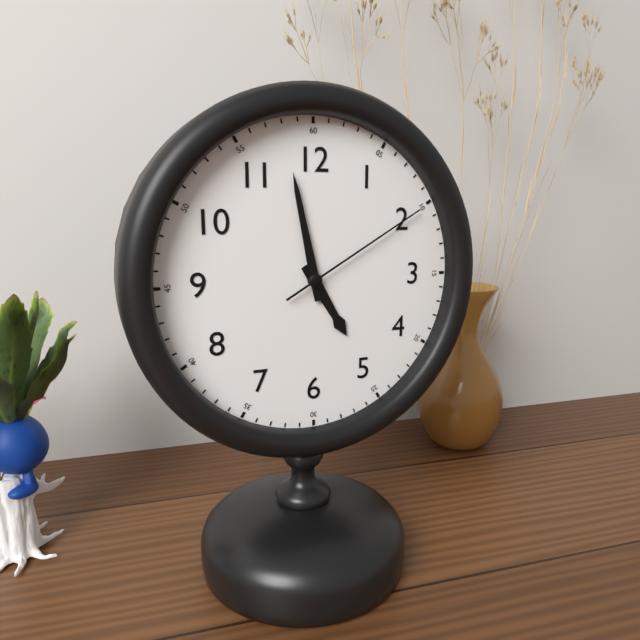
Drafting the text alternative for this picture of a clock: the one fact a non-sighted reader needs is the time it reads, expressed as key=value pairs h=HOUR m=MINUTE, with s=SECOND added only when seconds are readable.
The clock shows h=4 m=58 s=10
